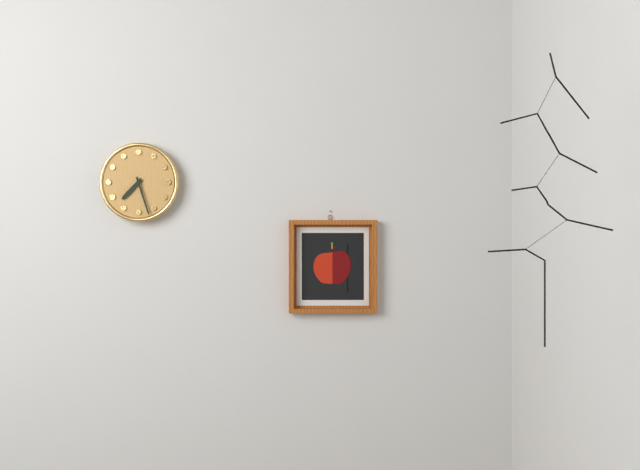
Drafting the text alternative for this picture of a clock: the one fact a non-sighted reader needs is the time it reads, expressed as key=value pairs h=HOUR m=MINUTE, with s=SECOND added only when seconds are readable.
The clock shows h=7 m=27
